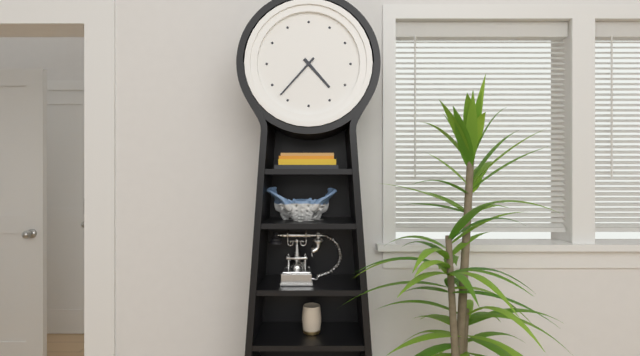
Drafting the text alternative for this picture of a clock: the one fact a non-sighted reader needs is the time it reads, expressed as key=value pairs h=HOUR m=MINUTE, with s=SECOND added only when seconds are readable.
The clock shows h=4 m=37
